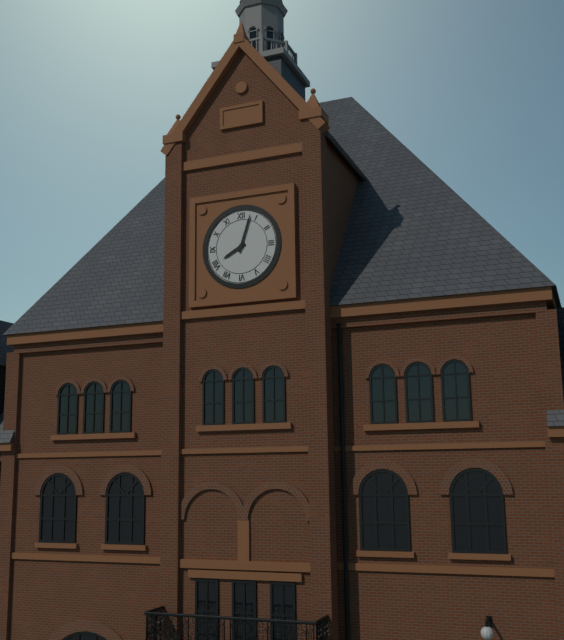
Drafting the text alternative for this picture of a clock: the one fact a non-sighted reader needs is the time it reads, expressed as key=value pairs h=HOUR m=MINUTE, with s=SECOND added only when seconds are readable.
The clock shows h=8 m=3
